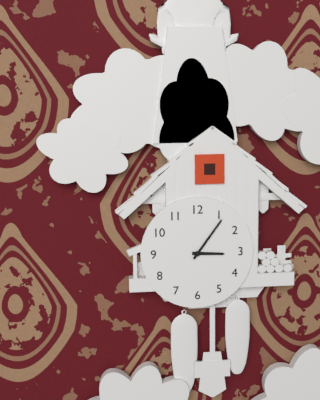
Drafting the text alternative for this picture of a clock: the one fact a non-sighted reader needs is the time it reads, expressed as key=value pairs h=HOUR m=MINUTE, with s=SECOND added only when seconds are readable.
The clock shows h=3 m=6
